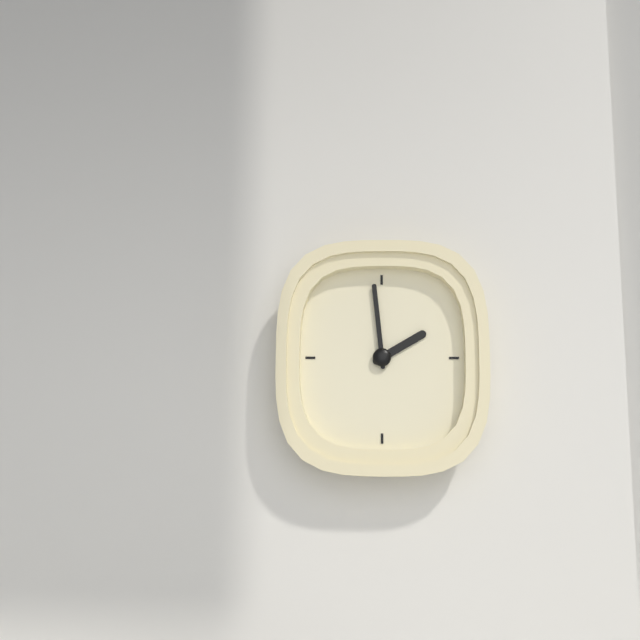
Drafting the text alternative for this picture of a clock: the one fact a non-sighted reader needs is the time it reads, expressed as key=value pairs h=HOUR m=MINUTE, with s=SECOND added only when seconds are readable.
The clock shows h=1 m=59
